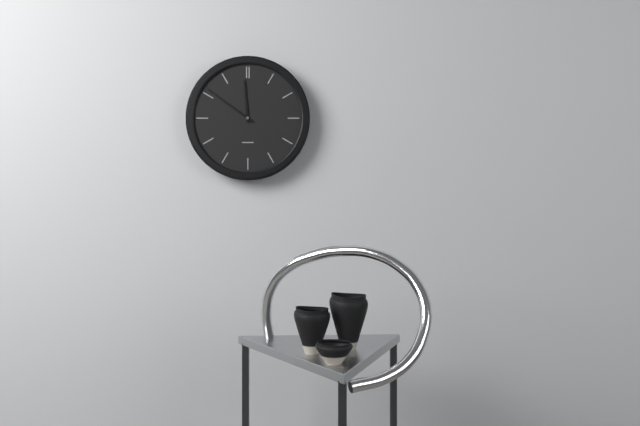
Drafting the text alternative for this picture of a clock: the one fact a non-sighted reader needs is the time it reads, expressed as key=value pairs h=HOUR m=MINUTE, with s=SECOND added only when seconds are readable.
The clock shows h=11 m=51
